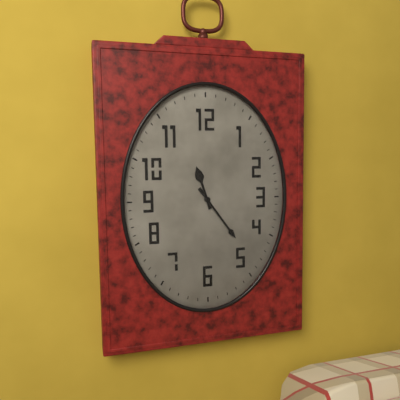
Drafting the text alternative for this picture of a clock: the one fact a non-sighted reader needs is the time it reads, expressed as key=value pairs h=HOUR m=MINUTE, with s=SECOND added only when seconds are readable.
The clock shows h=11 m=24
